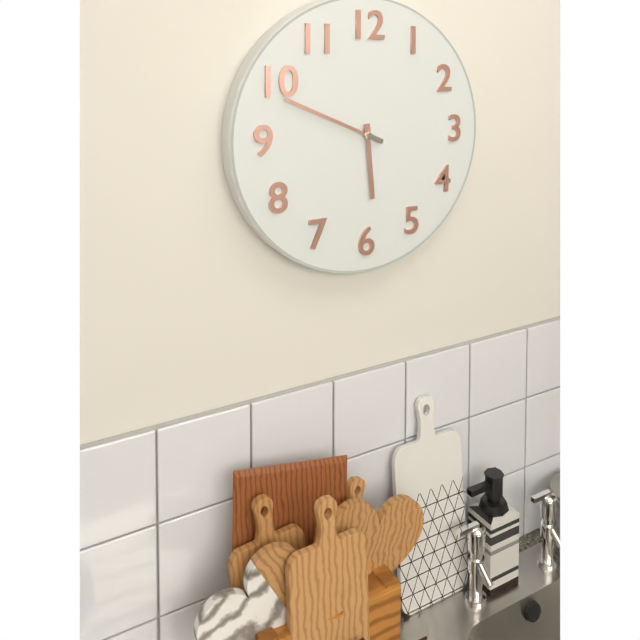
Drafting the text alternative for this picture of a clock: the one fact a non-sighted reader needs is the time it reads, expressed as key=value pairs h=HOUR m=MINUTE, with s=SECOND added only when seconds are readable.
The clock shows h=5 m=49
